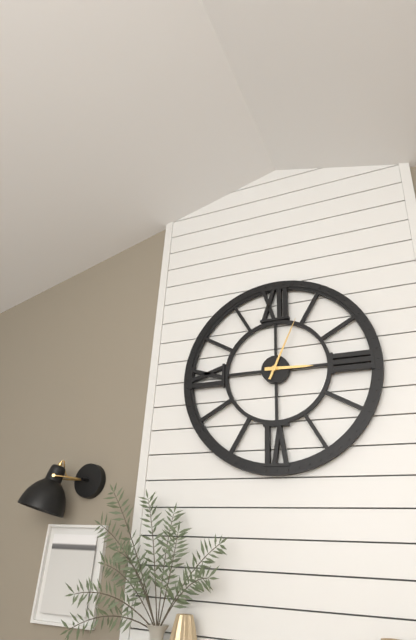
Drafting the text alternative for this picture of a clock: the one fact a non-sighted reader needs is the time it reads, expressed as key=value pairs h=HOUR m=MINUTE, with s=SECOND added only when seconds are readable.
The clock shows h=3 m=4
